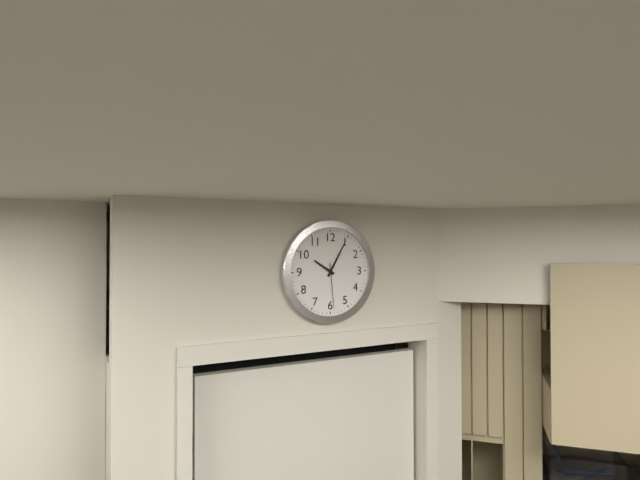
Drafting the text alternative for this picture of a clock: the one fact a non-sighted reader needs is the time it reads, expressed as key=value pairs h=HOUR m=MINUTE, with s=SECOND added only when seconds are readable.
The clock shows h=10 m=5
